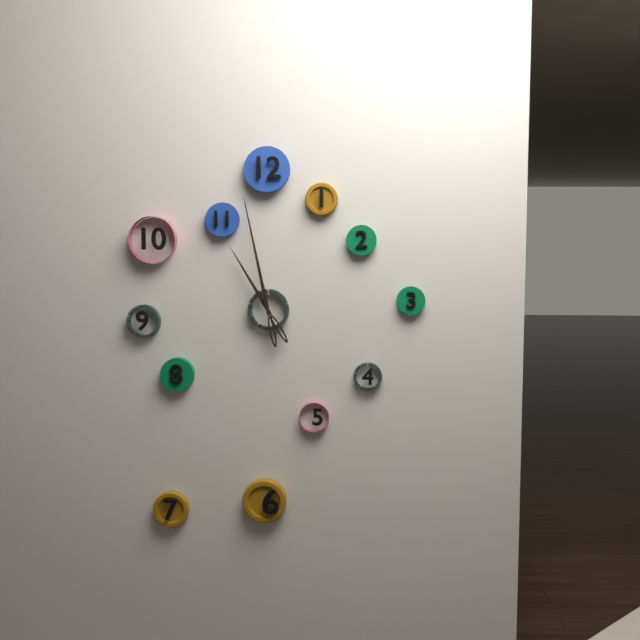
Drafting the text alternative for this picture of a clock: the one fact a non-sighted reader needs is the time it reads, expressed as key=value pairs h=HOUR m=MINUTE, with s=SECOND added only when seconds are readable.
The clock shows h=10 m=58
